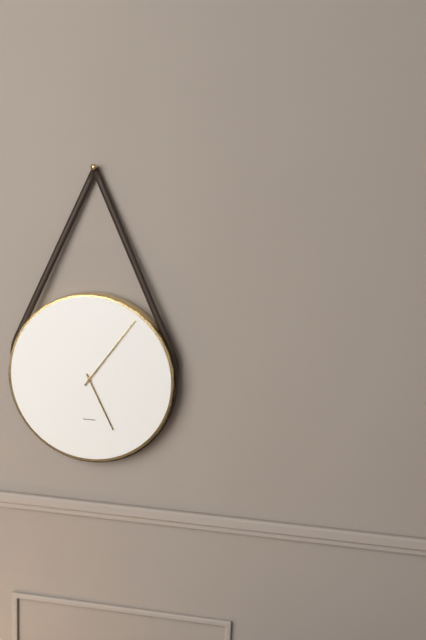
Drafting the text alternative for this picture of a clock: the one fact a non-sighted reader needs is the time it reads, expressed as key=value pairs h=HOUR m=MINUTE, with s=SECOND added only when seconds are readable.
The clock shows h=5 m=6
